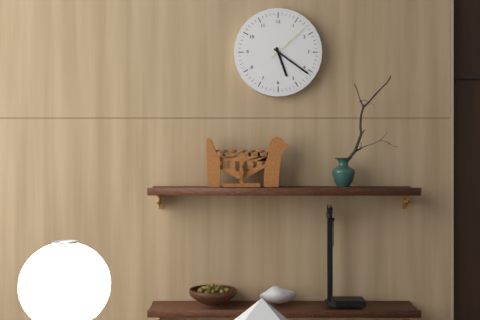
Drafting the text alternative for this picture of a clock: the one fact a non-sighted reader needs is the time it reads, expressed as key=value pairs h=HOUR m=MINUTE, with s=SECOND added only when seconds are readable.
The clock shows h=5 m=21
